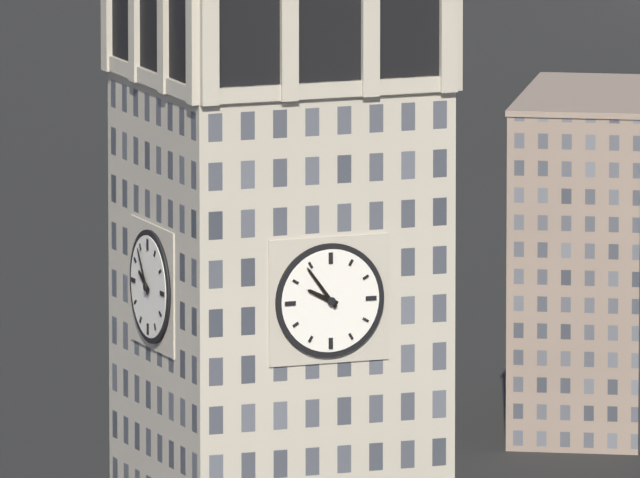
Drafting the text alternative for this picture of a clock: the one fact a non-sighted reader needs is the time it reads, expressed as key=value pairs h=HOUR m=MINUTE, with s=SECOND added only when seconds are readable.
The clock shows h=9 m=54
